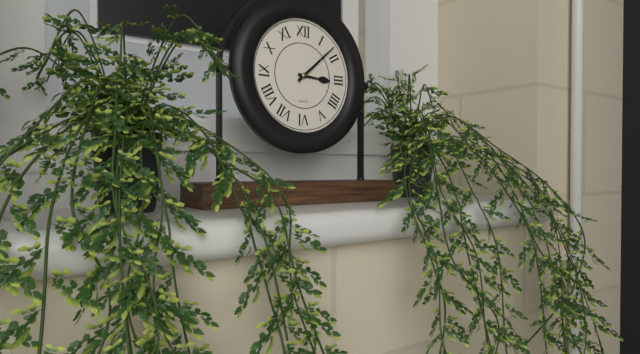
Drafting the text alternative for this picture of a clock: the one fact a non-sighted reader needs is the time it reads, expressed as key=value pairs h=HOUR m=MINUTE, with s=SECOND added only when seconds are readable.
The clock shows h=3 m=8
